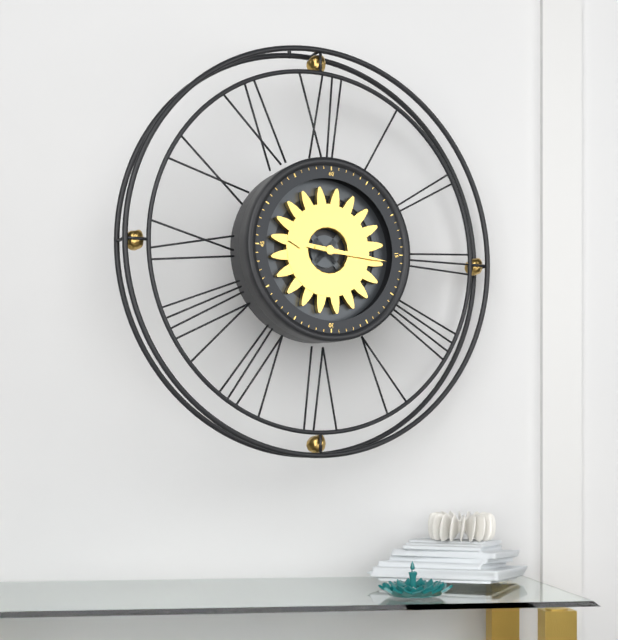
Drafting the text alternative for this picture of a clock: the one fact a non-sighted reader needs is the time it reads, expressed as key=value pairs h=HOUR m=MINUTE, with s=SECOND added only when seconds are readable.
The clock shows h=9 m=16
